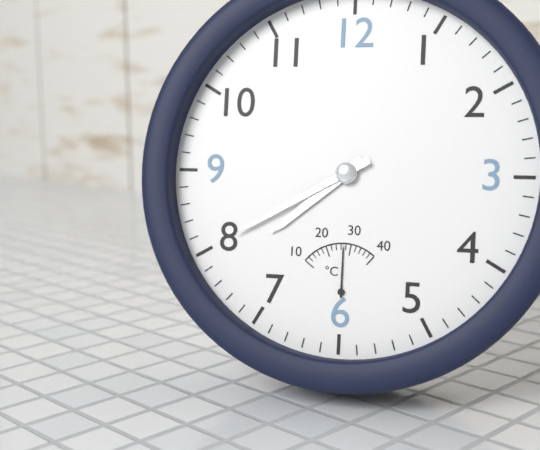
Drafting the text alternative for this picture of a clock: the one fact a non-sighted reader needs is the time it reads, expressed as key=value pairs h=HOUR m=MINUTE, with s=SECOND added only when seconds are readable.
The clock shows h=7 m=40
